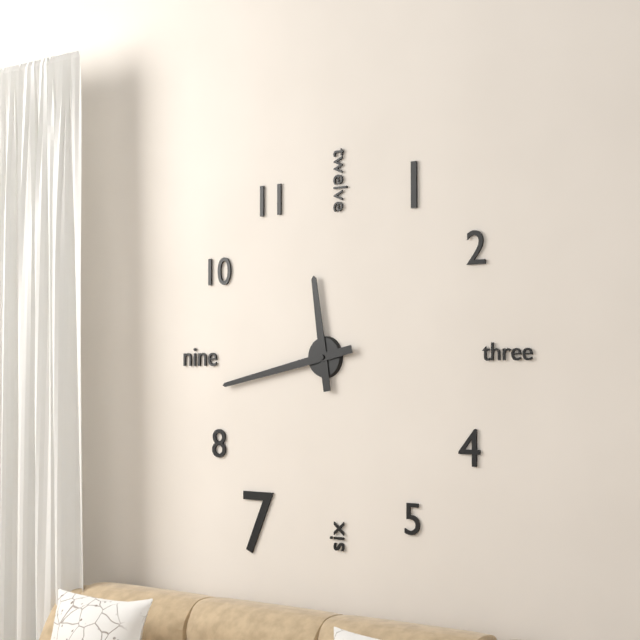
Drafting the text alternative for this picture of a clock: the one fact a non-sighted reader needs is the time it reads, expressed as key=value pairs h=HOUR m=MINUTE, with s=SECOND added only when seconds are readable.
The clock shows h=11 m=43
